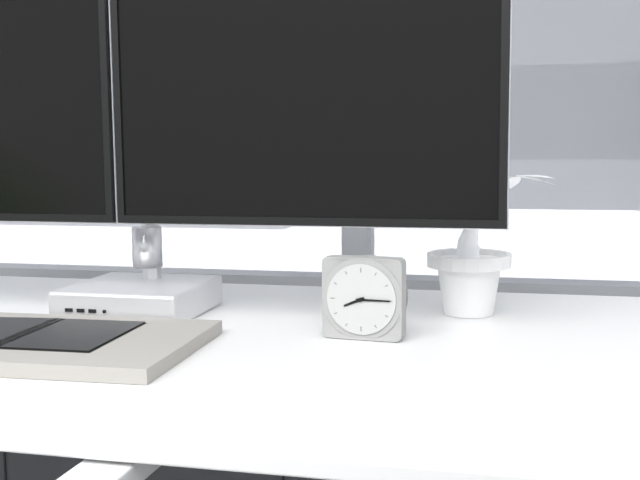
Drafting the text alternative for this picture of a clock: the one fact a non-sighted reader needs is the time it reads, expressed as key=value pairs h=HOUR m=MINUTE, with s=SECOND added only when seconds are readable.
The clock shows h=8 m=15
